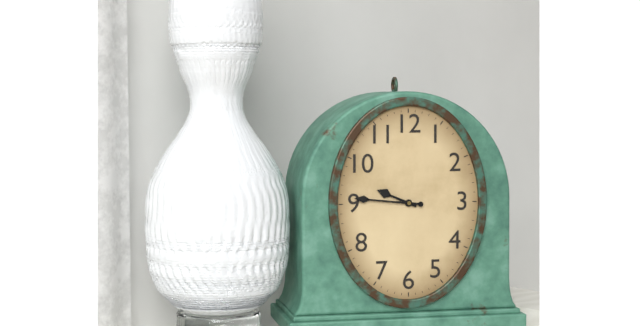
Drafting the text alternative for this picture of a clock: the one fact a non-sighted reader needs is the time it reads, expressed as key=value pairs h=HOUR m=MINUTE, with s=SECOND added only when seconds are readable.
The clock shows h=9 m=46
